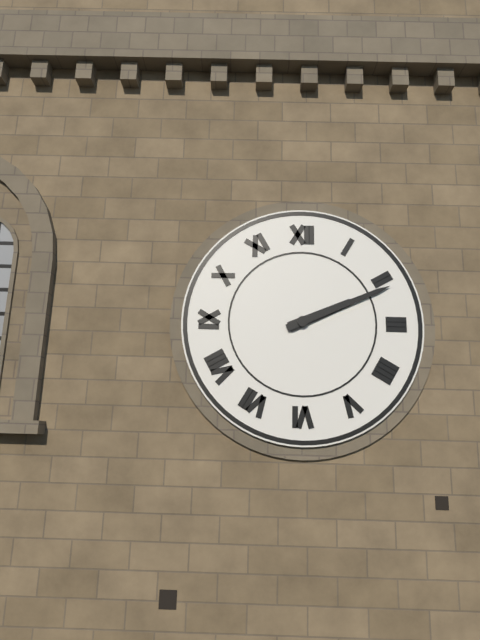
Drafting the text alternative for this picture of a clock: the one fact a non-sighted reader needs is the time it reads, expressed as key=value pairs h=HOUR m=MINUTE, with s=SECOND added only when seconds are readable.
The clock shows h=2 m=11
